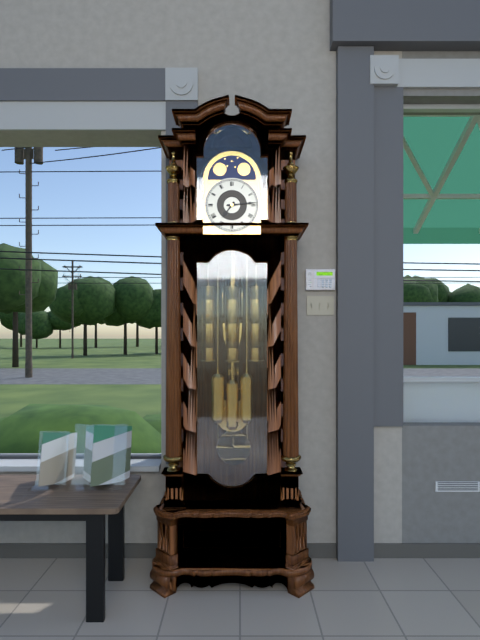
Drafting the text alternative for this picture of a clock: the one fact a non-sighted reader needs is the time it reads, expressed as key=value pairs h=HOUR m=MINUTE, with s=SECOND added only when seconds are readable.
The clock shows h=7 m=14
